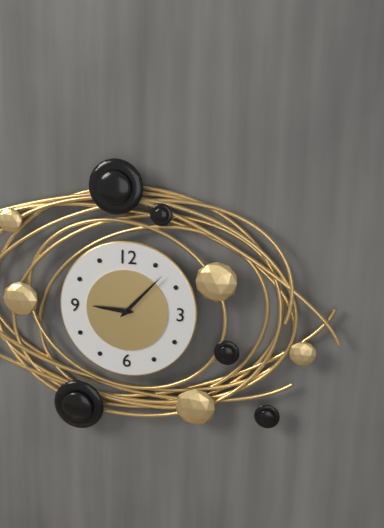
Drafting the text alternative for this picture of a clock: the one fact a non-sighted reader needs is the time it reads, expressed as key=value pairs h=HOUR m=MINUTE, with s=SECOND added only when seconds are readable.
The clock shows h=9 m=7
